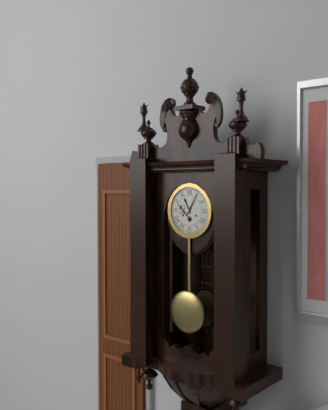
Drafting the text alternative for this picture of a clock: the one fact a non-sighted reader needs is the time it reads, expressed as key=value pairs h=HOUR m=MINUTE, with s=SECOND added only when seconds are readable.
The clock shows h=11 m=5
